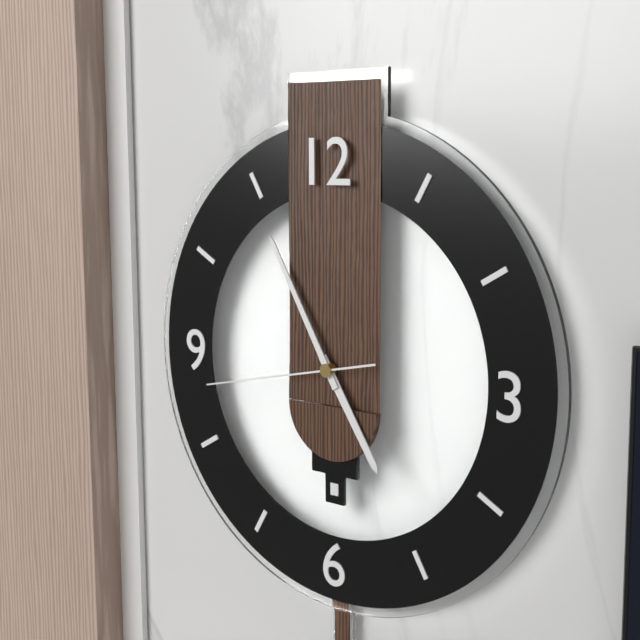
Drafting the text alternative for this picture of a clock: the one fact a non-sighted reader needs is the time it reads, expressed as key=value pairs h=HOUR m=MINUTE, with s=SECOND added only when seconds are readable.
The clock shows h=4 m=55 s=43
